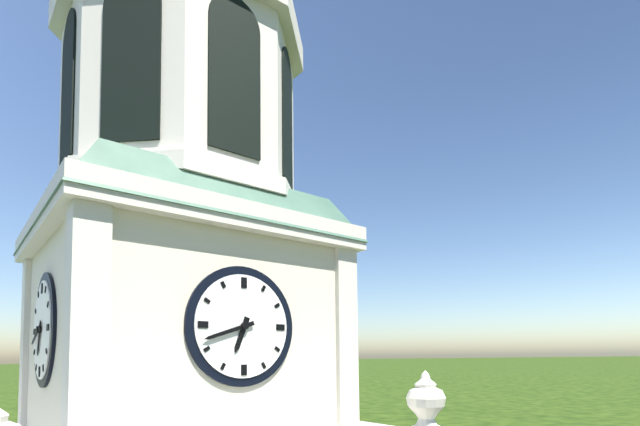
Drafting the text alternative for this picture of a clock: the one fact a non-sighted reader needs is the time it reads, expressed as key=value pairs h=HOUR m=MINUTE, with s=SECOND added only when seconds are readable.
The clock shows h=6 m=42
